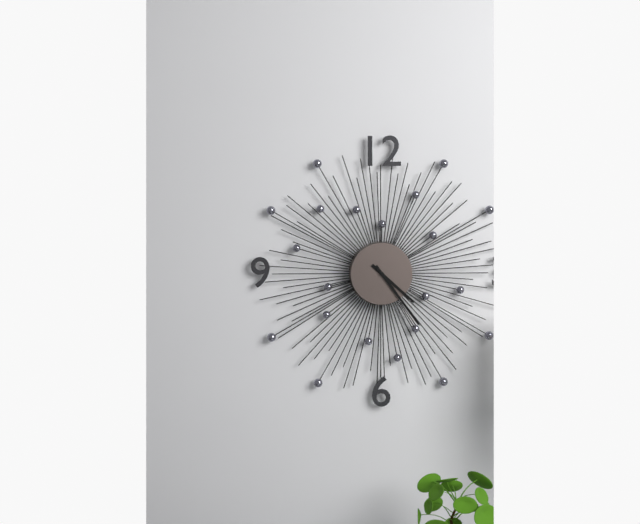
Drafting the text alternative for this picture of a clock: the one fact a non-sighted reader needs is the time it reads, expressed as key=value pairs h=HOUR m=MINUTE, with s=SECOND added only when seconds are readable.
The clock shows h=4 m=24
